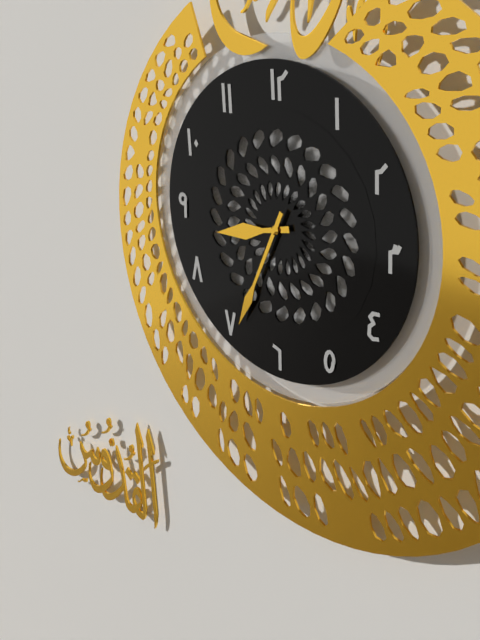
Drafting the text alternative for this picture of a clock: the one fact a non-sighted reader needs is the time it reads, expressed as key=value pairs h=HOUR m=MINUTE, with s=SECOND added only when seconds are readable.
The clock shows h=8 m=34
